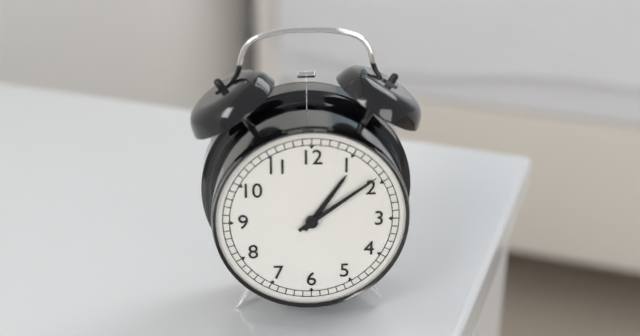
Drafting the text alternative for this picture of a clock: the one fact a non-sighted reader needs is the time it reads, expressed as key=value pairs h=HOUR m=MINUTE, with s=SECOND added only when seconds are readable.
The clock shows h=1 m=9
